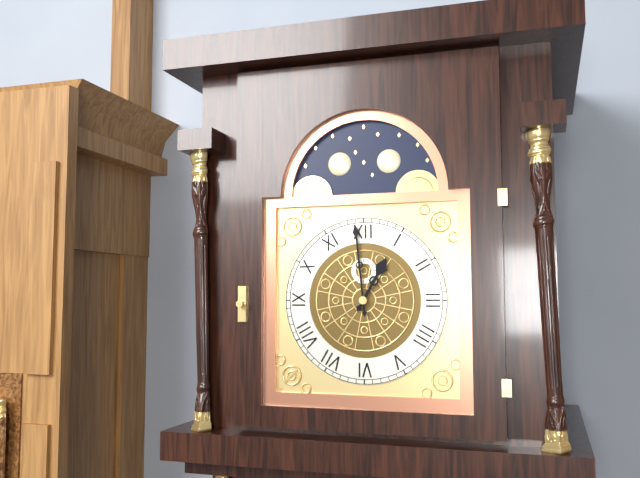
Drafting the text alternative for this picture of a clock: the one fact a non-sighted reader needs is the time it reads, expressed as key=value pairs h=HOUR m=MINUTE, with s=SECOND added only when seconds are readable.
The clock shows h=12 m=59
